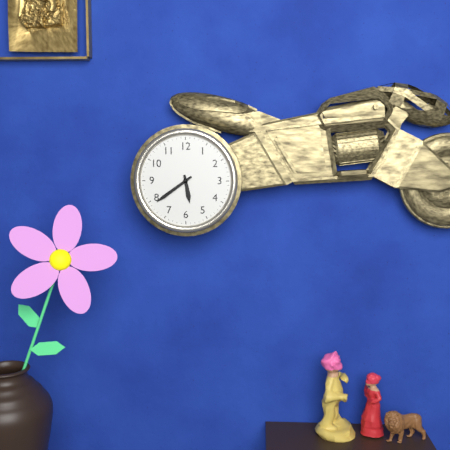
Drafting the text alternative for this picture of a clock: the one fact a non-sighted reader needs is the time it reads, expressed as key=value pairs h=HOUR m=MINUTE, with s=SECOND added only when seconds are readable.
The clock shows h=5 m=39
